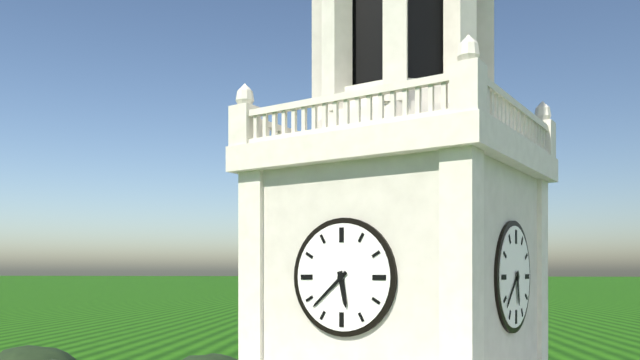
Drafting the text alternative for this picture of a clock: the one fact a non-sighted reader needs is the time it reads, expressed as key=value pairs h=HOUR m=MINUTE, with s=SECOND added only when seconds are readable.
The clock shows h=5 m=38
